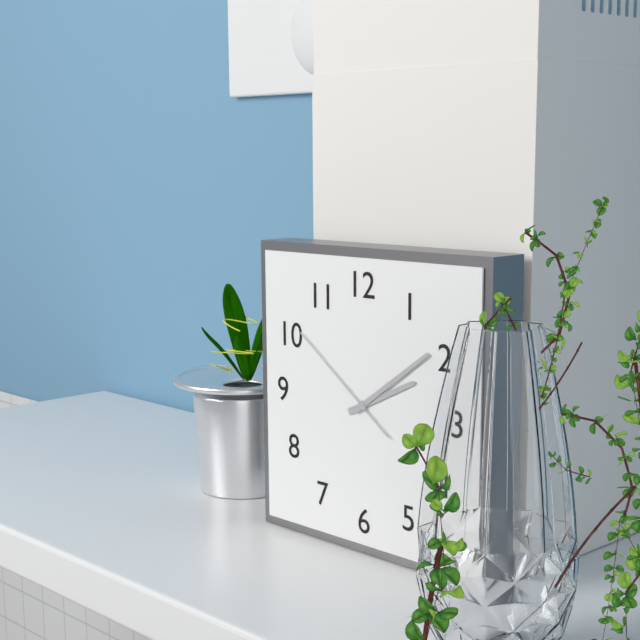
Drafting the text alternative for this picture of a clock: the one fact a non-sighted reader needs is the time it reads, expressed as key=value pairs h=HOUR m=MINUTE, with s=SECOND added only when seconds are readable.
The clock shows h=2 m=9 s=51
